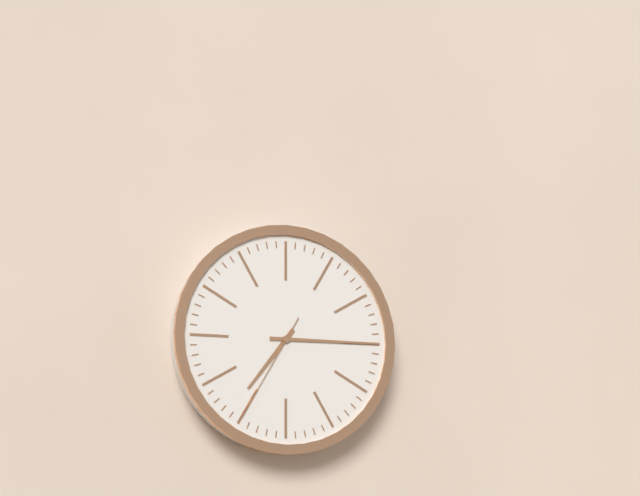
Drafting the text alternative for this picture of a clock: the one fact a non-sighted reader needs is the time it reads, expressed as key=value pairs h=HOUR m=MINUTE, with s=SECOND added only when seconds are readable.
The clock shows h=7 m=15 s=35
